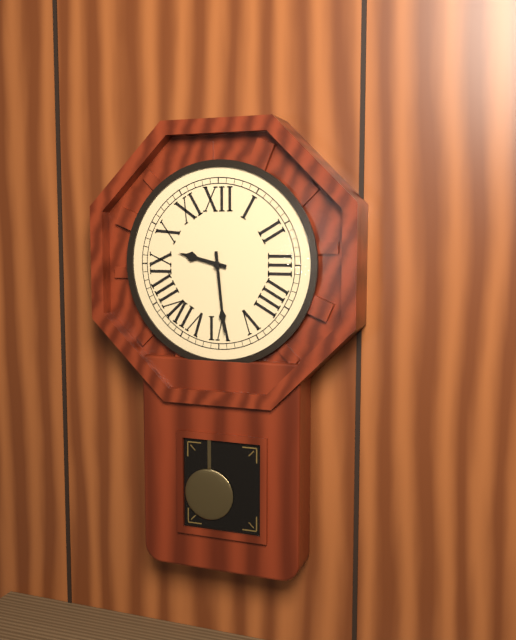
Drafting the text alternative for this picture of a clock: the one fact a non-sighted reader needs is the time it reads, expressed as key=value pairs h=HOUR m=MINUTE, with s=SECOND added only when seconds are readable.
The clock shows h=9 m=29
